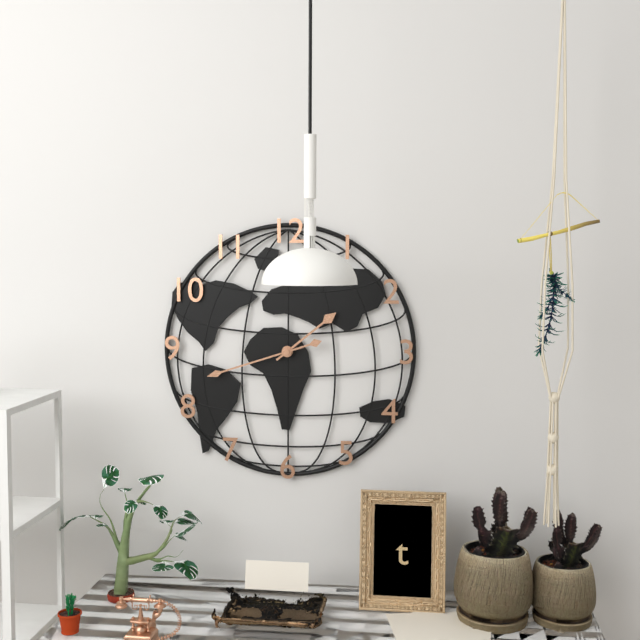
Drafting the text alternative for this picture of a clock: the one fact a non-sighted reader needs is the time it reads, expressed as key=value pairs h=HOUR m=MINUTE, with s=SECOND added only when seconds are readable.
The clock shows h=1 m=42
